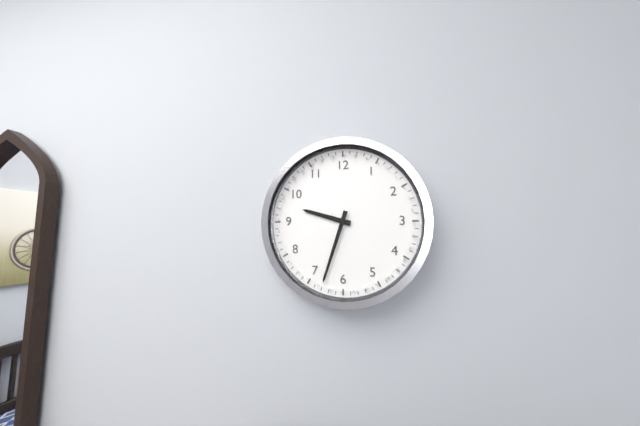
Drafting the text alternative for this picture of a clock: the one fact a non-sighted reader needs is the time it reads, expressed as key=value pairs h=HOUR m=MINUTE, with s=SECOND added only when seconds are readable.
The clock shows h=9 m=33
